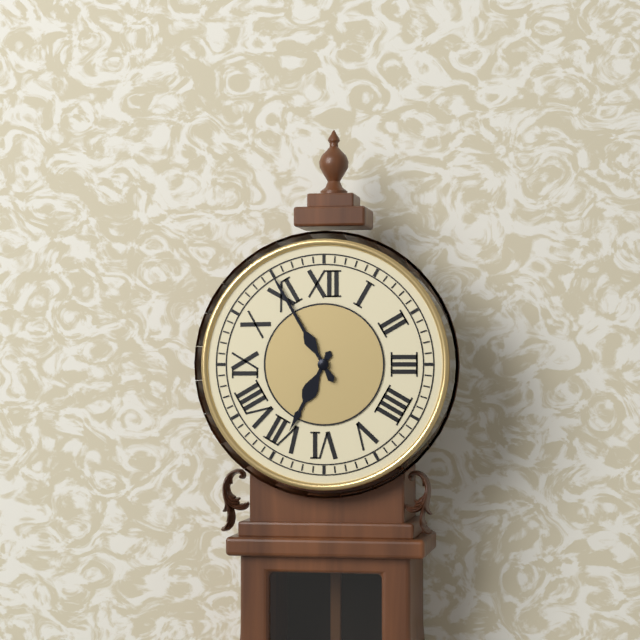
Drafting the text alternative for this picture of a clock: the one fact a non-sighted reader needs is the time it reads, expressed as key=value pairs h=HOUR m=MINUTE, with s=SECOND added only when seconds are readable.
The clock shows h=6 m=55
